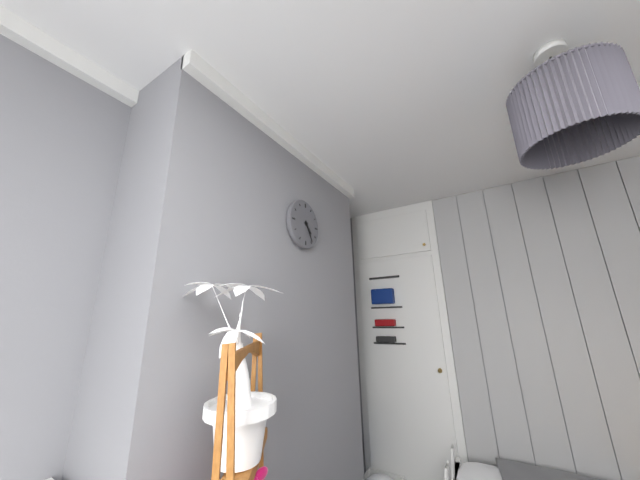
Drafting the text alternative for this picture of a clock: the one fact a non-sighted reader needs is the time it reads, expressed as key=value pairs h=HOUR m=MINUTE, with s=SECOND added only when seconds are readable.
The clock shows h=4 m=25
